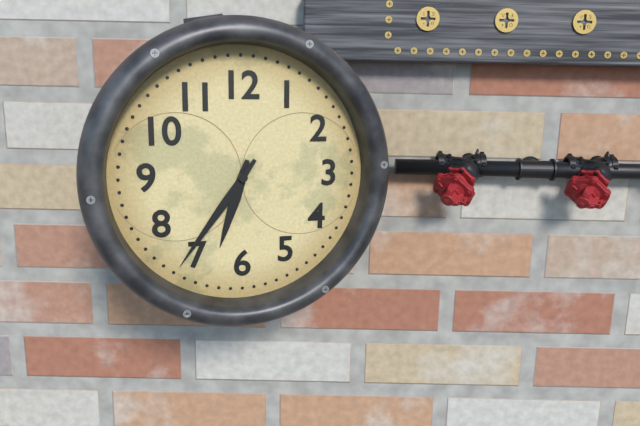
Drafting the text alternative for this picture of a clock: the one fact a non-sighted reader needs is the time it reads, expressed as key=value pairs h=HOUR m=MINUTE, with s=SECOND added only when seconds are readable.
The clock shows h=6 m=36
